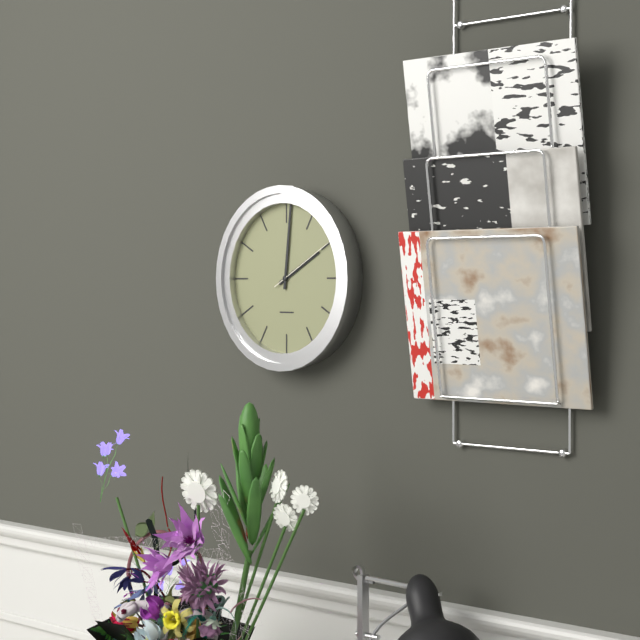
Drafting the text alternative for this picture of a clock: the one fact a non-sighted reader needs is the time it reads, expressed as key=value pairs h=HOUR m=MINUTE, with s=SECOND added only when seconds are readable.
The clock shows h=2 m=1 s=10
